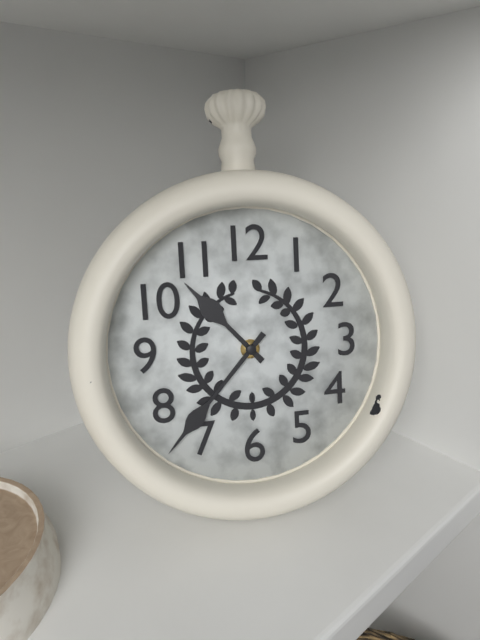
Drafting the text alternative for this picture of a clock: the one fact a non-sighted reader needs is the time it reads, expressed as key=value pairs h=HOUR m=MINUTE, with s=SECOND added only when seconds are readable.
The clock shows h=10 m=37
